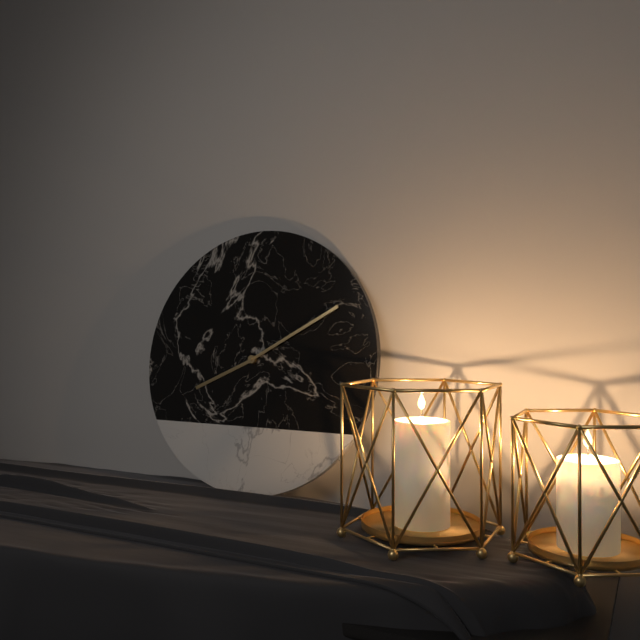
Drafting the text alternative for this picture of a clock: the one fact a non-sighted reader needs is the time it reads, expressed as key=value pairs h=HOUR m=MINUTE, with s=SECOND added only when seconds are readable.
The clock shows h=8 m=10
